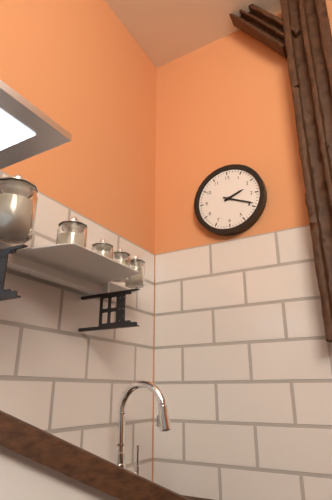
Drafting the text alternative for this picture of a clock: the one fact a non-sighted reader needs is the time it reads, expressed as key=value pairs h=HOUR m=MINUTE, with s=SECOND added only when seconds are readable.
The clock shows h=2 m=19
